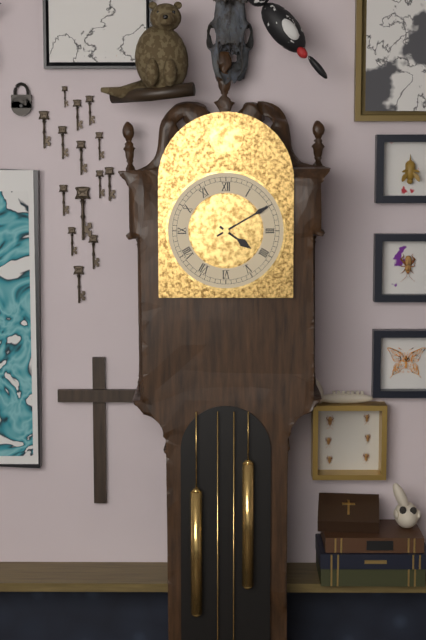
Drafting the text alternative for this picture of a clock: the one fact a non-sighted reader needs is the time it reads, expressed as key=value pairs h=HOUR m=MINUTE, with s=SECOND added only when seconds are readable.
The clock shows h=4 m=10
